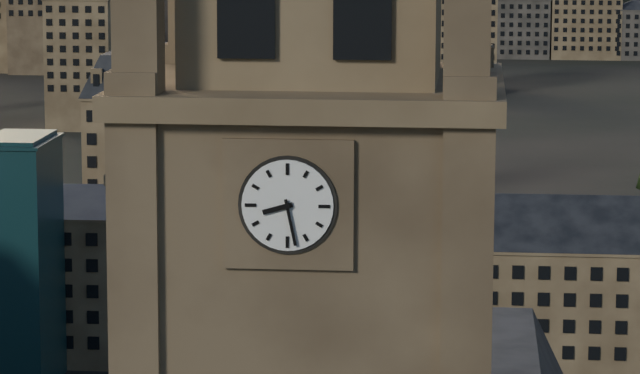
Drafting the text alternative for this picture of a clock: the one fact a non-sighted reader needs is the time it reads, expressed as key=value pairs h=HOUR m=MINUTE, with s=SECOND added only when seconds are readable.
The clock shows h=8 m=28
